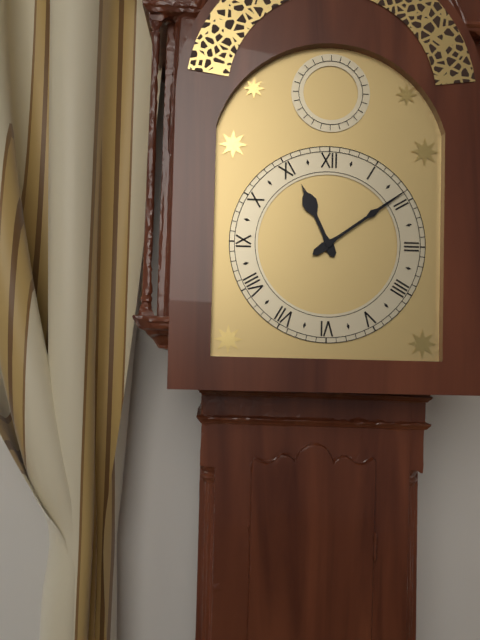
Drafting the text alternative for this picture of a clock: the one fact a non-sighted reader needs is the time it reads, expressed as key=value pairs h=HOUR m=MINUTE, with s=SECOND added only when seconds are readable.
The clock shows h=11 m=9
